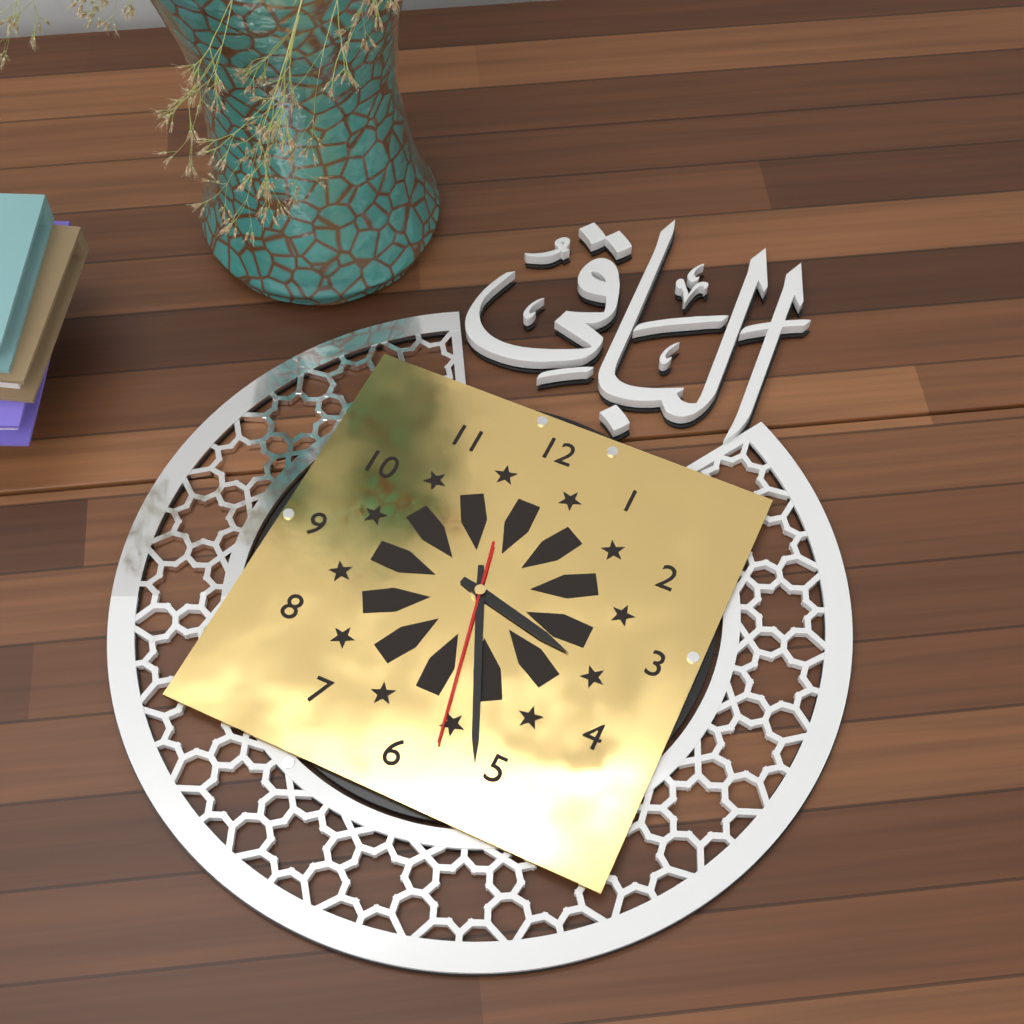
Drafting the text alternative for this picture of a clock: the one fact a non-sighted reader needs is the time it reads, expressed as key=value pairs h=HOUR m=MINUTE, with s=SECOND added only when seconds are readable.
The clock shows h=3 m=26 s=28
